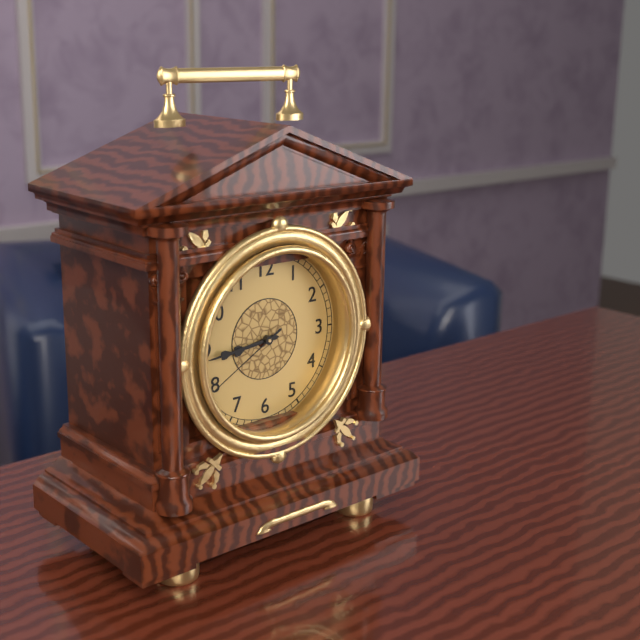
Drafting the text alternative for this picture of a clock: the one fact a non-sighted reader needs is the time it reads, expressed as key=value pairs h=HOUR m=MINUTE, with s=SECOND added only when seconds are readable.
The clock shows h=8 m=44 s=40
